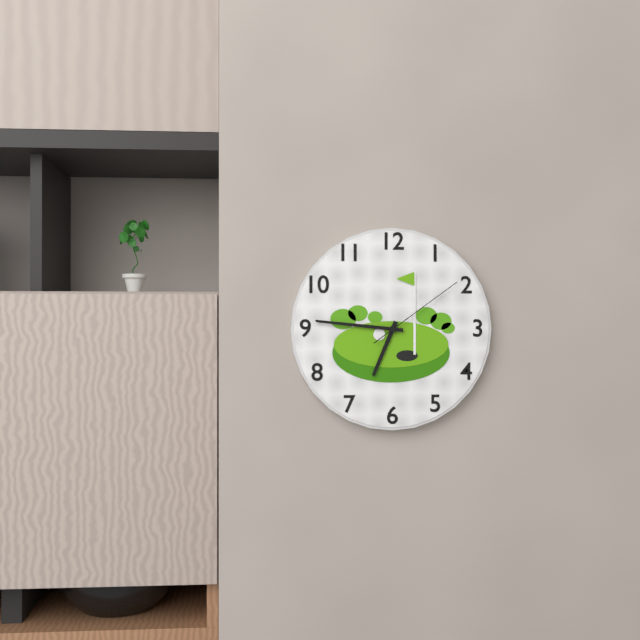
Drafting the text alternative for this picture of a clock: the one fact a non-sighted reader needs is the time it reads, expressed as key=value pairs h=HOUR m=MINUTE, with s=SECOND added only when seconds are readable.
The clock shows h=6 m=46 s=9
